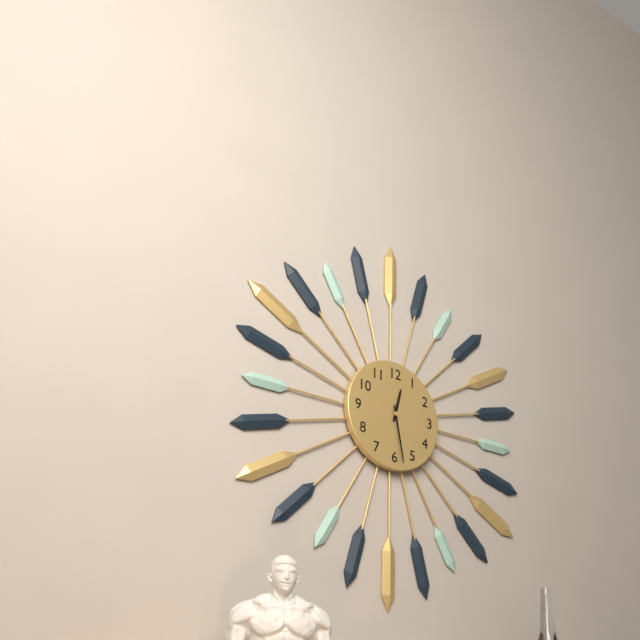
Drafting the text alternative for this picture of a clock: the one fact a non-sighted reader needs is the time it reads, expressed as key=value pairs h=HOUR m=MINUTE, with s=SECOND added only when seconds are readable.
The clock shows h=12 m=28
